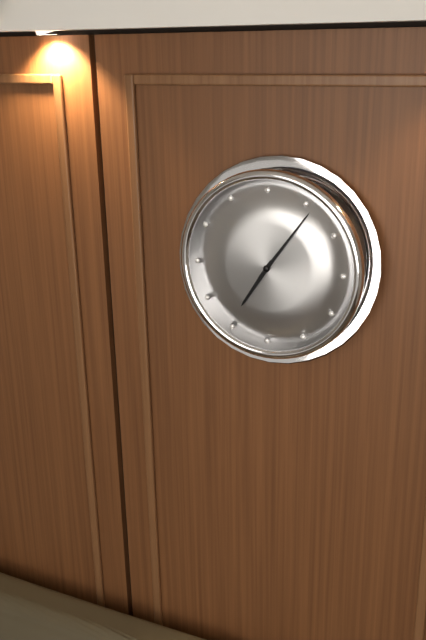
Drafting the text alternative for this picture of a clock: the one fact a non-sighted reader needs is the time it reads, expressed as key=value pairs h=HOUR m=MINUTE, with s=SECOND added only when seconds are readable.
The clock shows h=7 m=6
